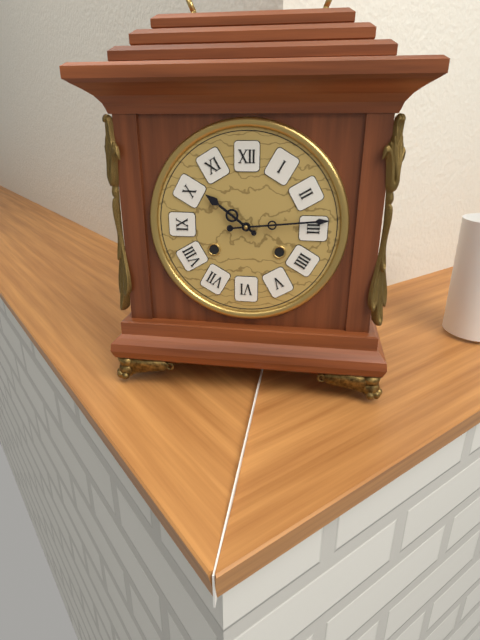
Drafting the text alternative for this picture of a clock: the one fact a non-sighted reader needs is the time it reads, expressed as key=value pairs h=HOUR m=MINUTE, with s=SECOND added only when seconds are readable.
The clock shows h=10 m=14
